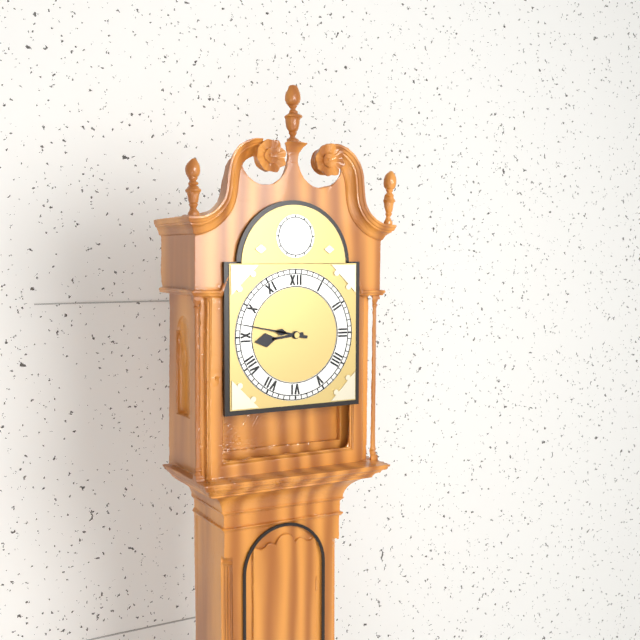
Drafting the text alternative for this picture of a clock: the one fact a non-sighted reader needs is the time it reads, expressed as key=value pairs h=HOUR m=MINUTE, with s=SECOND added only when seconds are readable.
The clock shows h=8 m=47
